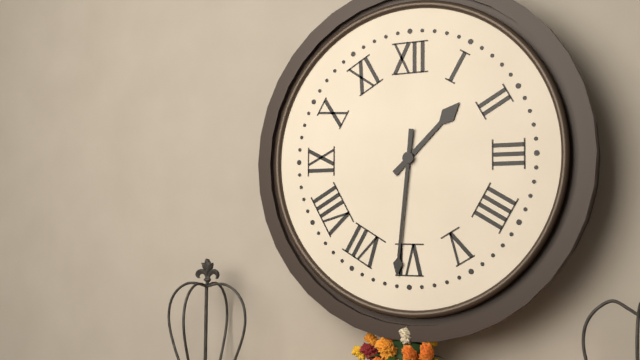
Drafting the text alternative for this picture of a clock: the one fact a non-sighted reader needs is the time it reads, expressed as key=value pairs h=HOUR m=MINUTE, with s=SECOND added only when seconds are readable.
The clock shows h=1 m=31
